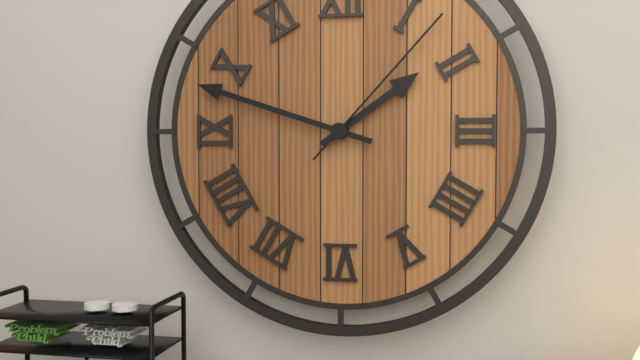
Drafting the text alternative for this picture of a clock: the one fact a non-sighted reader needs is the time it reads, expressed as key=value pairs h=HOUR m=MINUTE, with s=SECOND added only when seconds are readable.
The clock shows h=1 m=48 s=7
